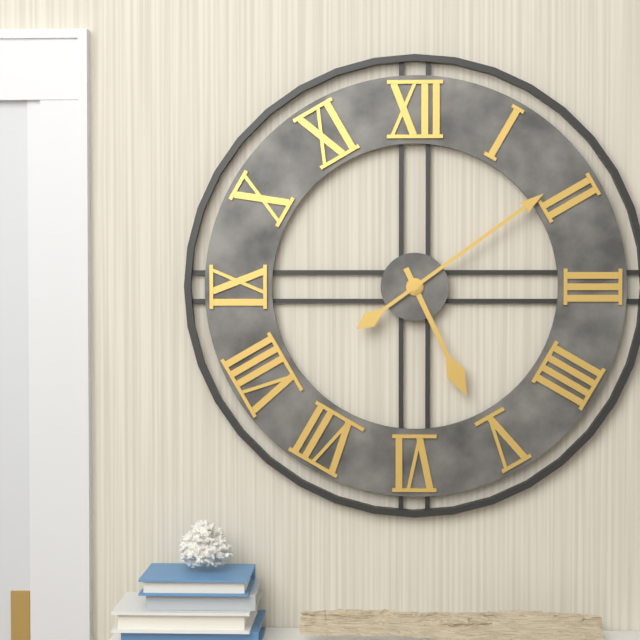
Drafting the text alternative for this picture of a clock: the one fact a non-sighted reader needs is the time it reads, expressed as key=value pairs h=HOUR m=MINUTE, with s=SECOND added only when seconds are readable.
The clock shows h=5 m=9
